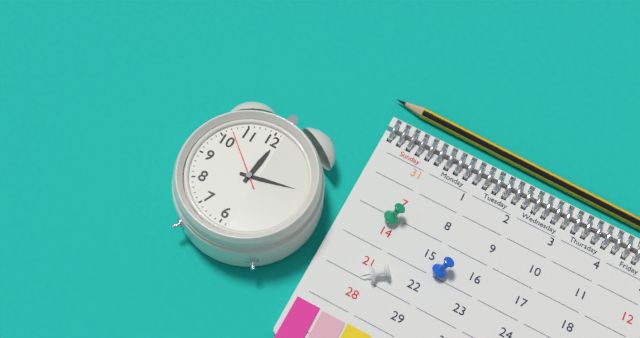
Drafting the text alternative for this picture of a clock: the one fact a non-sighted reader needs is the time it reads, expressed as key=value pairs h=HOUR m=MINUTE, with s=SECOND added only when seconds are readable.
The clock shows h=12 m=13 s=52
